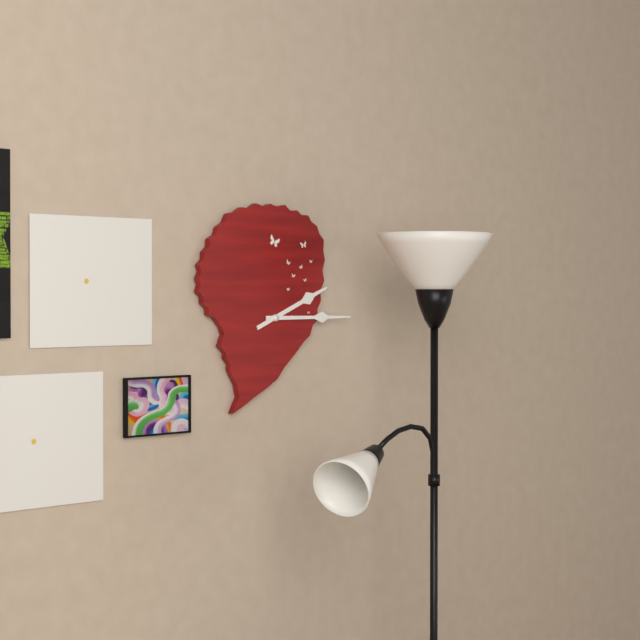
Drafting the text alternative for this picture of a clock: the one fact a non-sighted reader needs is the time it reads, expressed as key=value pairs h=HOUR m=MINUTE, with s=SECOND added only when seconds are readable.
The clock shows h=2 m=15
